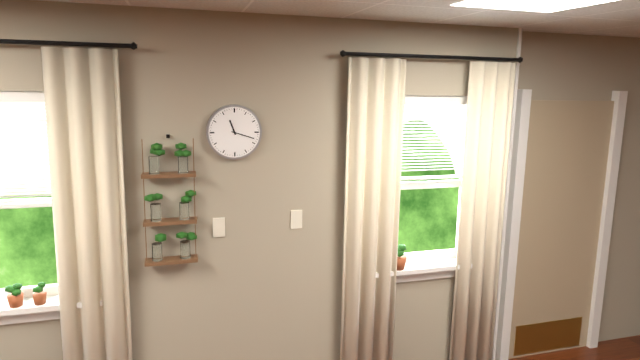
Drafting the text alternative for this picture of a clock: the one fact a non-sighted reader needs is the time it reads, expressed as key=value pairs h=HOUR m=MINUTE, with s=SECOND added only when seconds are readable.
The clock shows h=11 m=18
